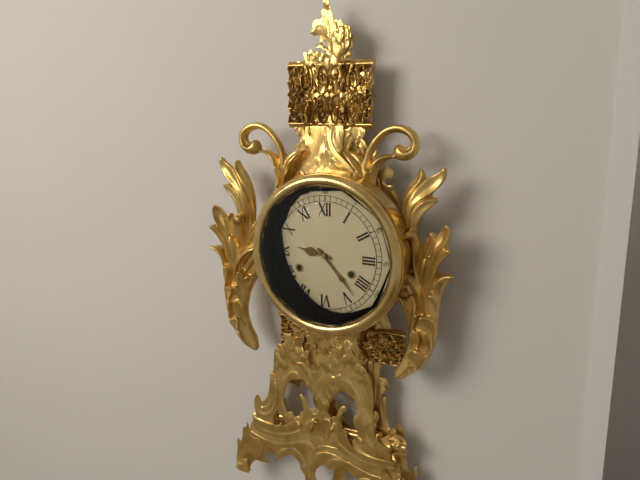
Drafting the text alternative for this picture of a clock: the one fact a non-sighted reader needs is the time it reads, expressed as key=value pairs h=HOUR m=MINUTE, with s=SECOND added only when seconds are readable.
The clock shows h=9 m=23
